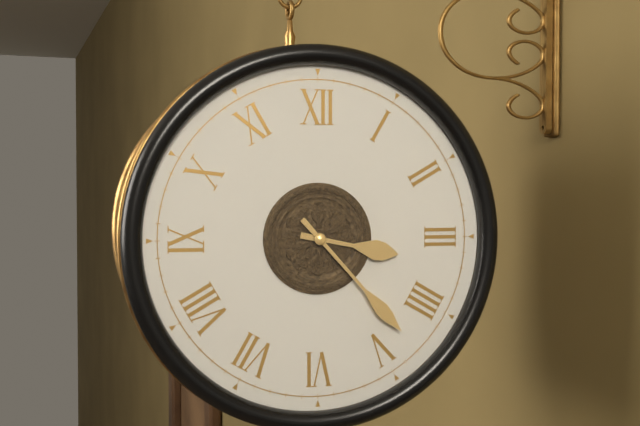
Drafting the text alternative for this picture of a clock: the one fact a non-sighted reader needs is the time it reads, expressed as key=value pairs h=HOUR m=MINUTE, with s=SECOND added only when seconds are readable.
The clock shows h=3 m=23
